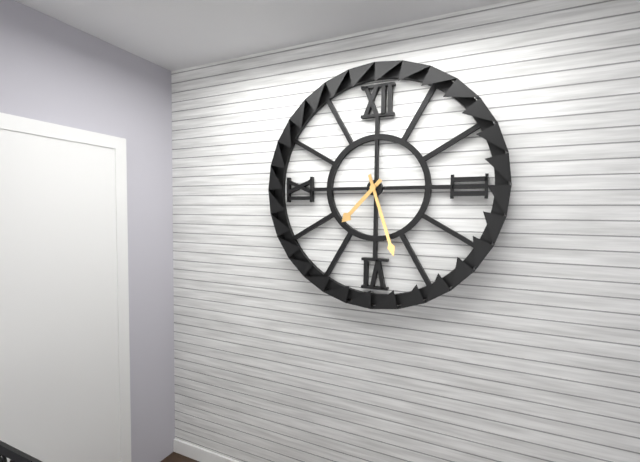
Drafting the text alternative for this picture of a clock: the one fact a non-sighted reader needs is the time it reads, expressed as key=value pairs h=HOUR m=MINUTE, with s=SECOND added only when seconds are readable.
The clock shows h=7 m=27
